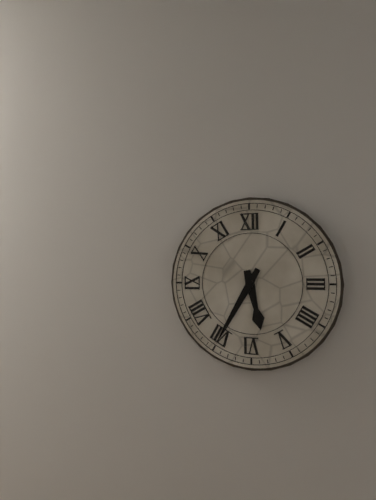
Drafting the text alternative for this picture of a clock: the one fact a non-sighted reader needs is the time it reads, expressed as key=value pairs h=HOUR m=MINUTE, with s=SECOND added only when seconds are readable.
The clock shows h=5 m=35
